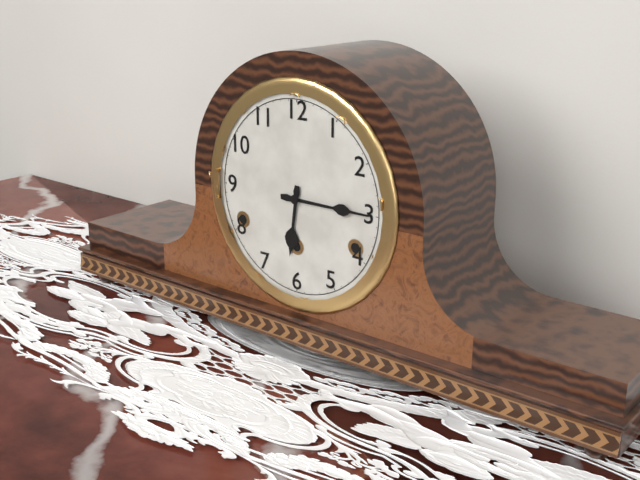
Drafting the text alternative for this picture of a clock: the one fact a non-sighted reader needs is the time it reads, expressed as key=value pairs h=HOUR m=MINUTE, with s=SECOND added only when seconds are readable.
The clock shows h=6 m=15
